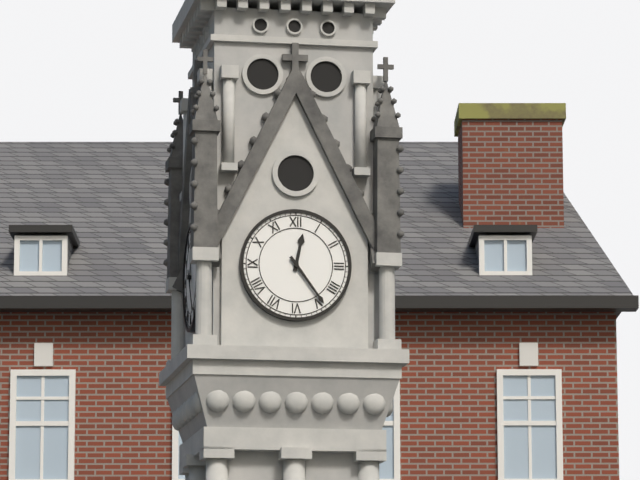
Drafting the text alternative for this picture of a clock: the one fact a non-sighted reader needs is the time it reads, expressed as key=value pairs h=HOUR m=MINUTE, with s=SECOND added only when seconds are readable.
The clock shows h=12 m=24
